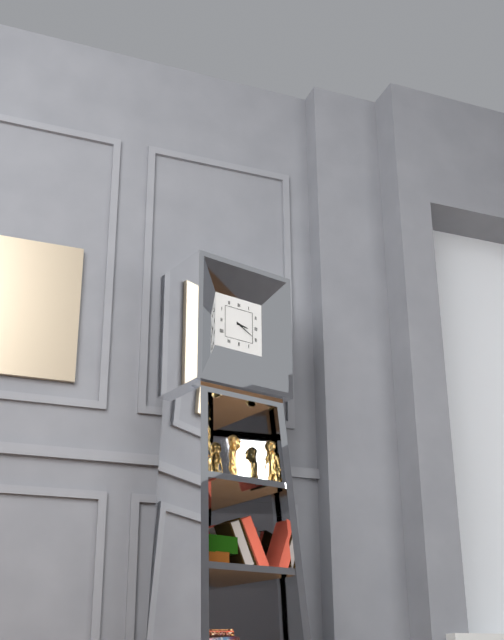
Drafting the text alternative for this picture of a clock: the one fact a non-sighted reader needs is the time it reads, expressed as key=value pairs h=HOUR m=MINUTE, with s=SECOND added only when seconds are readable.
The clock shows h=3 m=20
